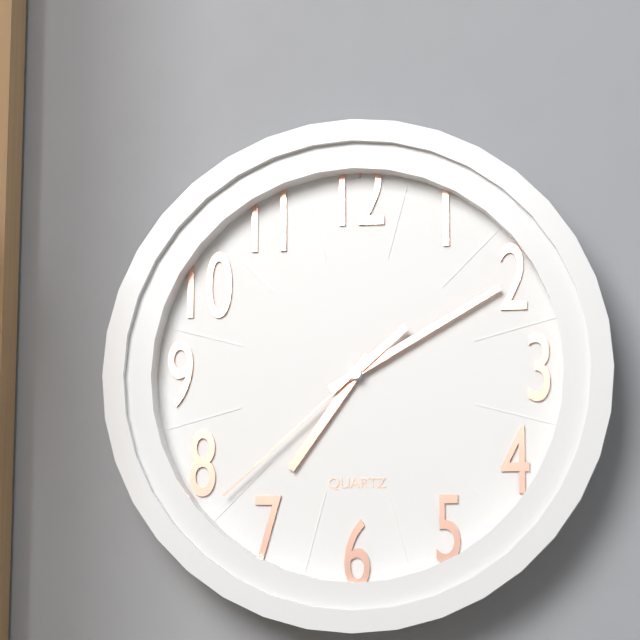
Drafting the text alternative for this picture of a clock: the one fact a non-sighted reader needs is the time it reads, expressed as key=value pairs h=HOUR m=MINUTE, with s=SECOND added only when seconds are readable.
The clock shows h=7 m=10 s=38
